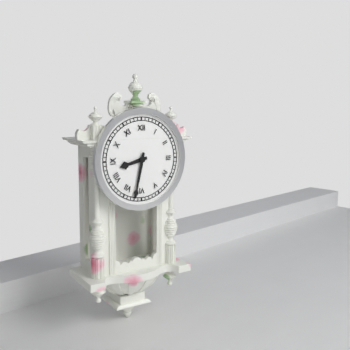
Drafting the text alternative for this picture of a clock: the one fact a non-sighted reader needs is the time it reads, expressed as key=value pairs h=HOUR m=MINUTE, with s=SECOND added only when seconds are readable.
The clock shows h=8 m=32
